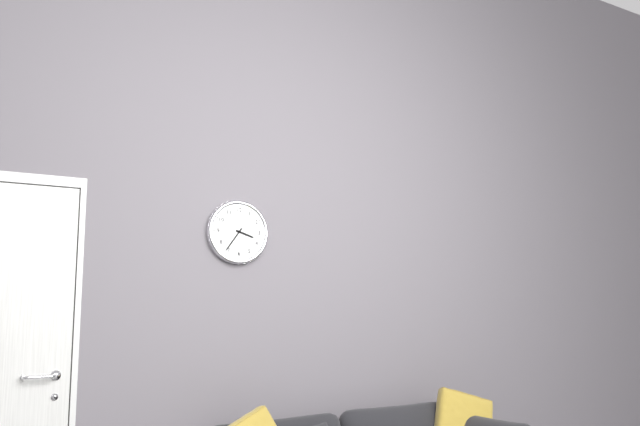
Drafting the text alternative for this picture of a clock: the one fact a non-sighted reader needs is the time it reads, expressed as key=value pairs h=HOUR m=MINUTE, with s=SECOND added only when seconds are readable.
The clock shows h=3 m=36
